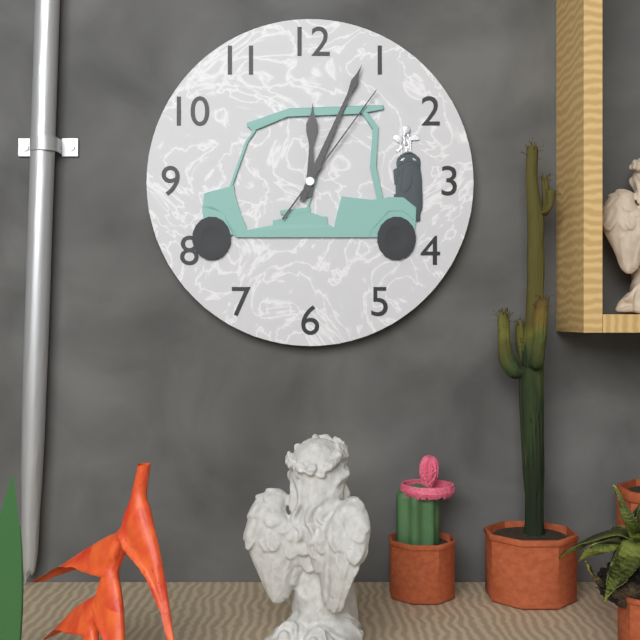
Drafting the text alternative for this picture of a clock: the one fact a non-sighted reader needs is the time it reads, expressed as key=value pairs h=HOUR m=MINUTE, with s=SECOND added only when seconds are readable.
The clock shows h=12 m=4 s=6
